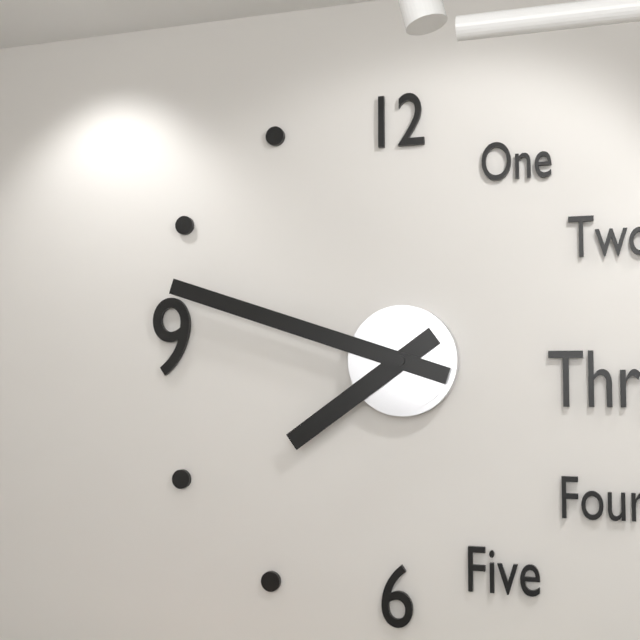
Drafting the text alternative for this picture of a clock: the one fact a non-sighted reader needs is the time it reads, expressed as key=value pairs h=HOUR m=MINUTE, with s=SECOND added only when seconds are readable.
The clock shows h=7 m=48
